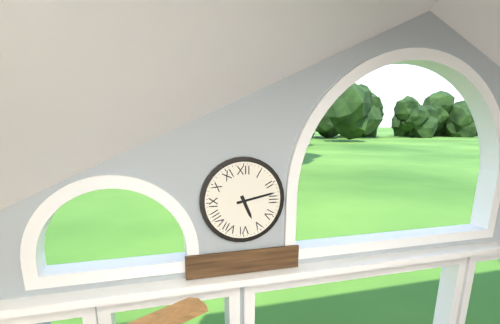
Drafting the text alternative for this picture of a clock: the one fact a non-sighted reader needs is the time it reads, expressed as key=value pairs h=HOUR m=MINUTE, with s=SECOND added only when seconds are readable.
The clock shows h=5 m=13
